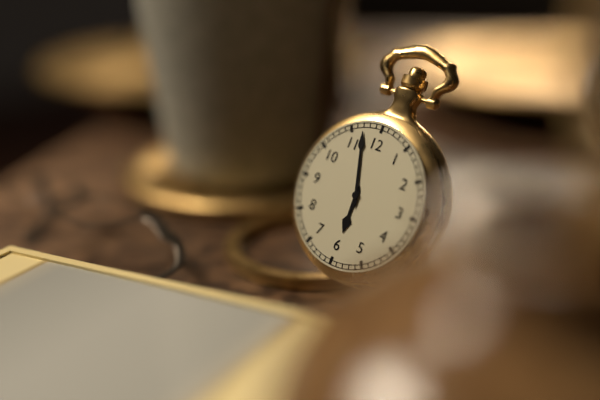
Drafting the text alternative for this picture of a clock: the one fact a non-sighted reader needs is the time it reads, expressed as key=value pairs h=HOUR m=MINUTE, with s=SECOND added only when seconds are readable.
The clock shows h=5 m=57
